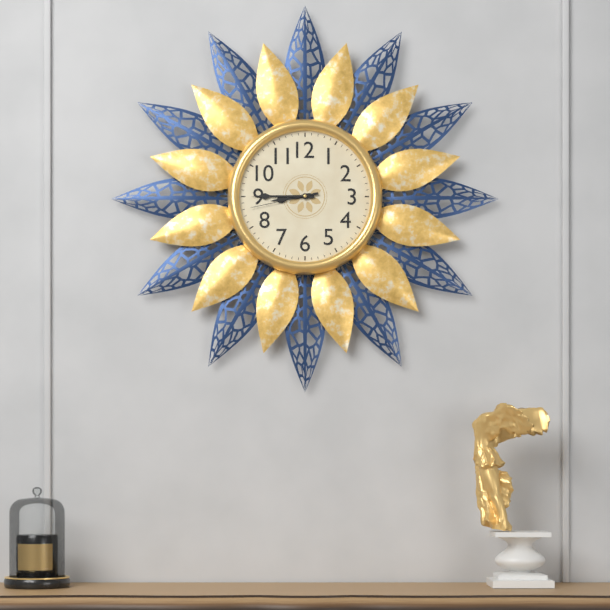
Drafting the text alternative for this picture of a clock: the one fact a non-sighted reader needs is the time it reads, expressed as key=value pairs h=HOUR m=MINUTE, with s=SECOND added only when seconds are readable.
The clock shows h=8 m=45 s=43
